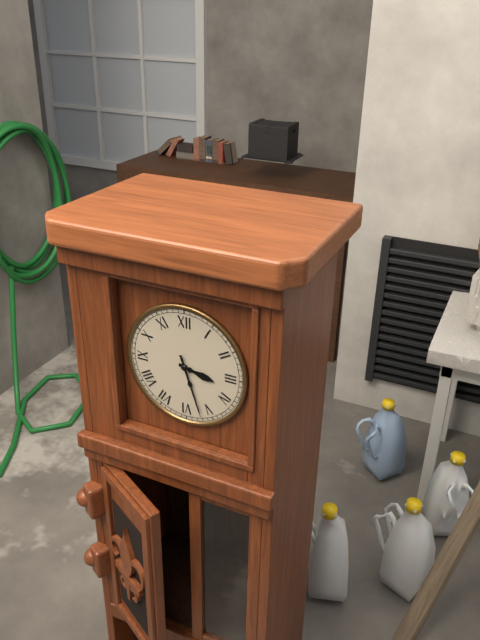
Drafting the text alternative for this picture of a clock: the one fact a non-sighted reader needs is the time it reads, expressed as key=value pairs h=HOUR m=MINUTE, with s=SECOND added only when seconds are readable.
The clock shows h=3 m=27
